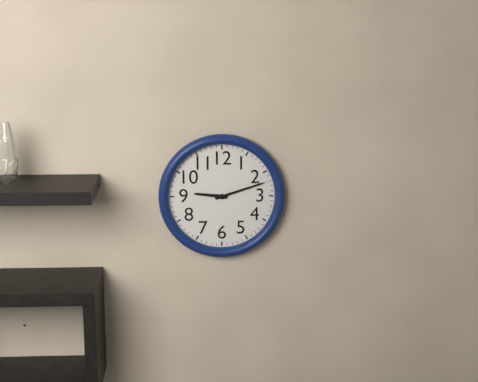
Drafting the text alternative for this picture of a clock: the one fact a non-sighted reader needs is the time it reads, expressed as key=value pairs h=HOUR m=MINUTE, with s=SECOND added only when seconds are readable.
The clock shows h=9 m=12
